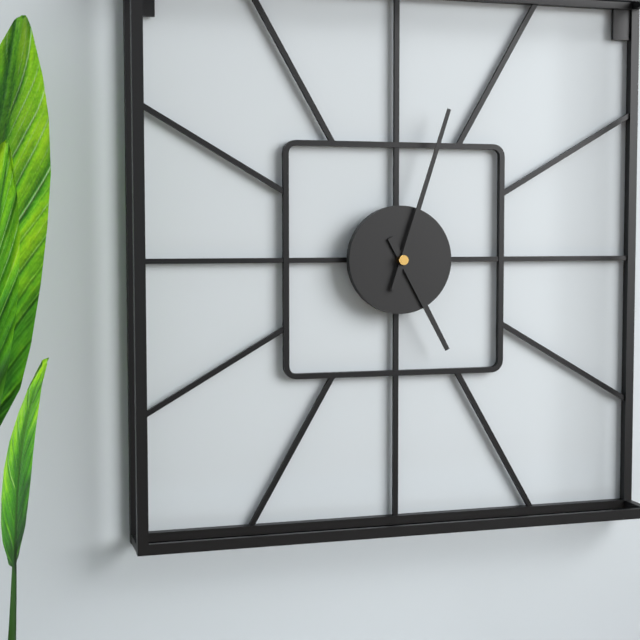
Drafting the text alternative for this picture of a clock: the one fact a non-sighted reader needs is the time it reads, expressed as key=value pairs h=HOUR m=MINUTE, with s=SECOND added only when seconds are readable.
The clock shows h=5 m=3
